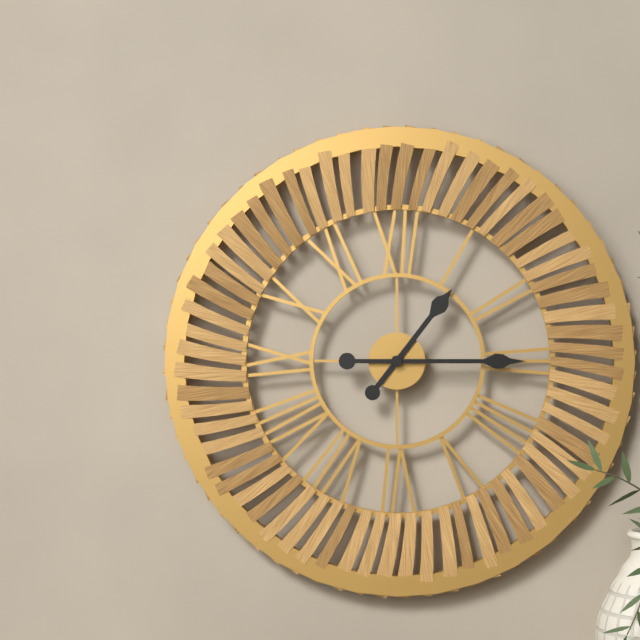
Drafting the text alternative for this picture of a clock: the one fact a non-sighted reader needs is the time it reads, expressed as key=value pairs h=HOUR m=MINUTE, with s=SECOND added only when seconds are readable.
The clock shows h=1 m=15
